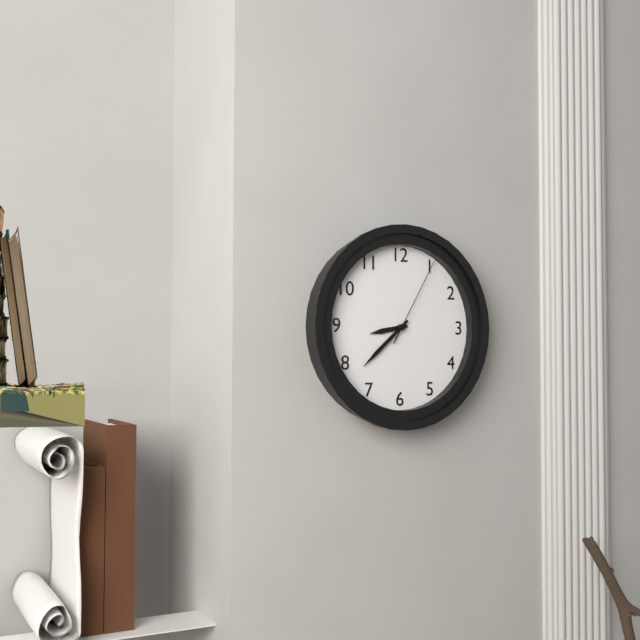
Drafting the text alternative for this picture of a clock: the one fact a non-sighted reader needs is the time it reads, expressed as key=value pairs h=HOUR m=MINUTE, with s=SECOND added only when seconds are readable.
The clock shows h=8 m=38 s=5
